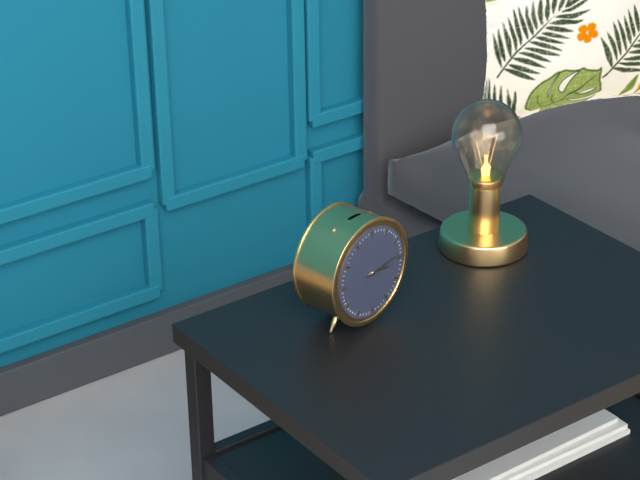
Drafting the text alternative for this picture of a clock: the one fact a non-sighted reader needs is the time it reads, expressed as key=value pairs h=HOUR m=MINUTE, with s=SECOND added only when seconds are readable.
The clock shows h=3 m=14
